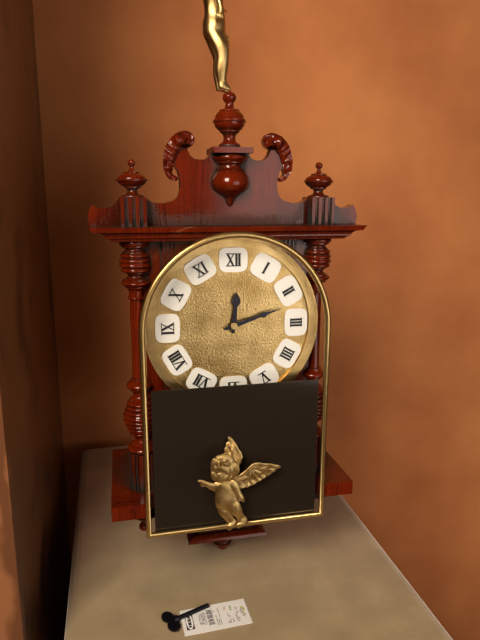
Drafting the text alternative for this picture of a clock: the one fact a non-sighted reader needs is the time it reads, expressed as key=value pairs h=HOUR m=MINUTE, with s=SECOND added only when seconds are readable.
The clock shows h=12 m=12
